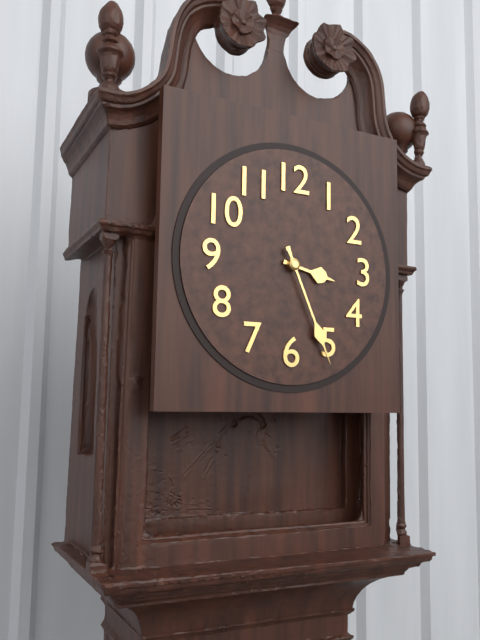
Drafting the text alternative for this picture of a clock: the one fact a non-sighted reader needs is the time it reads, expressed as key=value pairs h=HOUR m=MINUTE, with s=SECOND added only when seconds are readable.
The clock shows h=3 m=26
